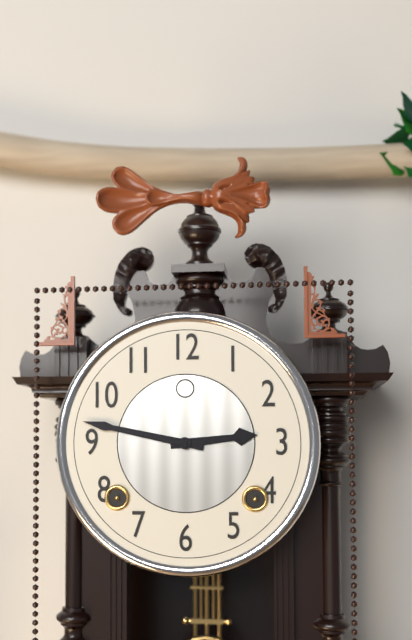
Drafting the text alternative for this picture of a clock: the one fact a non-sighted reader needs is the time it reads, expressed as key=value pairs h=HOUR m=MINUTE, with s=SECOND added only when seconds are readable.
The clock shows h=2 m=47
